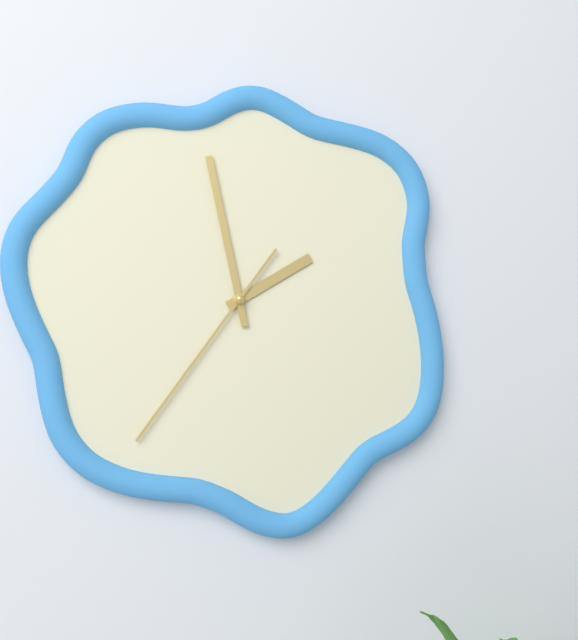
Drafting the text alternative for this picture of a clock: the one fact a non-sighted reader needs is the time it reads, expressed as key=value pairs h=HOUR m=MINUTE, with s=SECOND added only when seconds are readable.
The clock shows h=1 m=58 s=36
